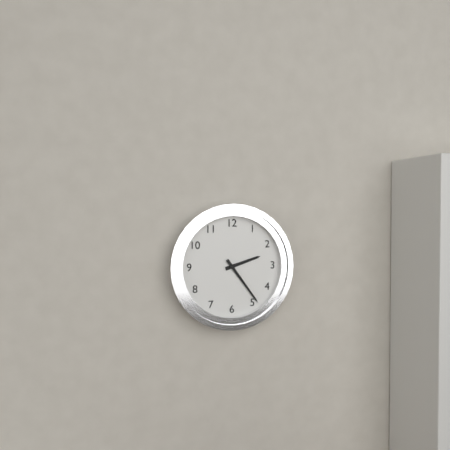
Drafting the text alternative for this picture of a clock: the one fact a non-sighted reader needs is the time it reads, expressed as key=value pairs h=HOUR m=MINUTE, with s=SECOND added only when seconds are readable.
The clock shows h=2 m=24
